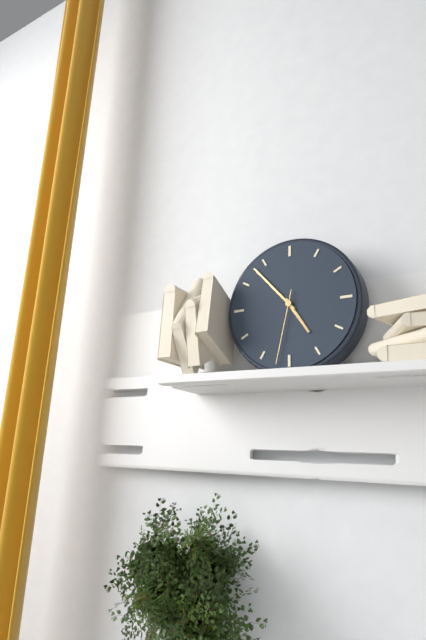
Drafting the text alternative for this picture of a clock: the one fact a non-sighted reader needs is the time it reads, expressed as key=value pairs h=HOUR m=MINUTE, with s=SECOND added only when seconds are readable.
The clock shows h=4 m=53 s=32
